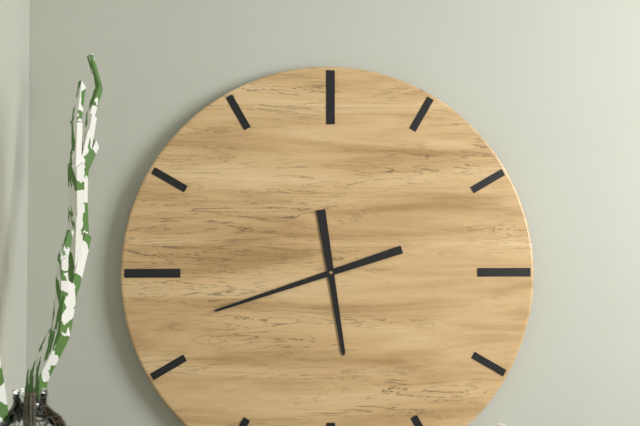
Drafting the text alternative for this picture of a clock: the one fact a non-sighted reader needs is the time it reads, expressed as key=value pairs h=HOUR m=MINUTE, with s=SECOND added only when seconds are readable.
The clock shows h=5 m=42
